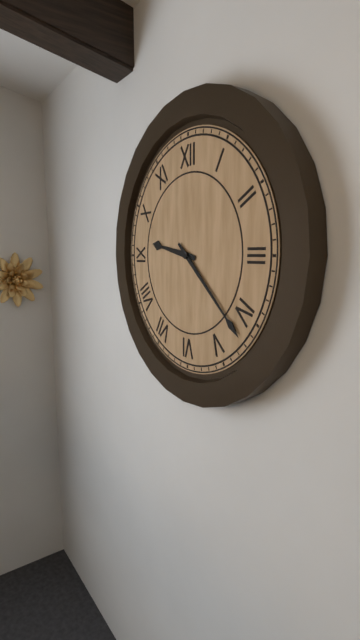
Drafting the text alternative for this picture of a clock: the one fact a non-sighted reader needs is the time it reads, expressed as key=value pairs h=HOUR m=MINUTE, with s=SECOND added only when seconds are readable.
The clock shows h=9 m=22
